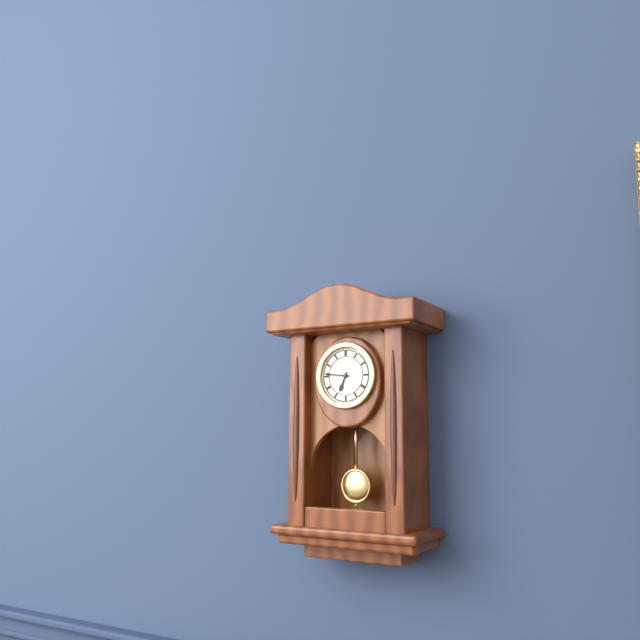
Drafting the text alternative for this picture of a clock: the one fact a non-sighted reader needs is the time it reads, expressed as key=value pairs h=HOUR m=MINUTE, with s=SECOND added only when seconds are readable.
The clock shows h=6 m=46
